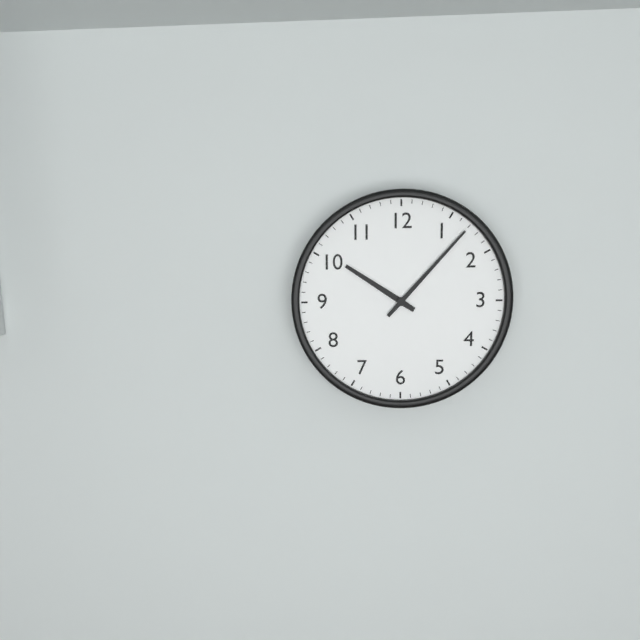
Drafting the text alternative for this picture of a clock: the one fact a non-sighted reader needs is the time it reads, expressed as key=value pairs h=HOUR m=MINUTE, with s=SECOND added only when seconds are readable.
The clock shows h=10 m=7
